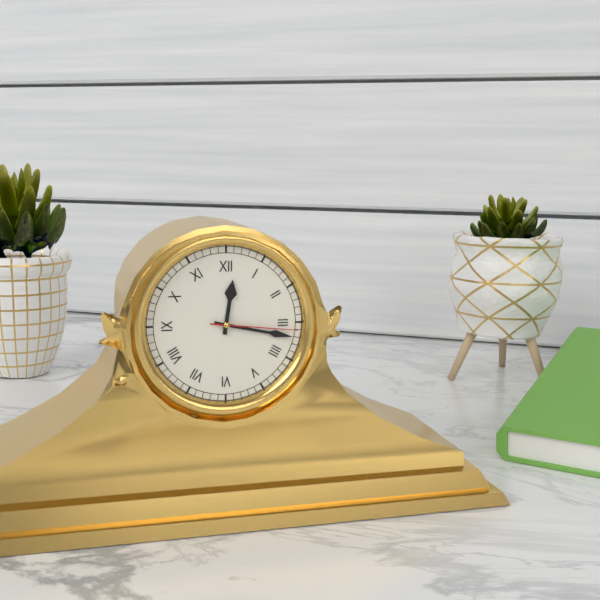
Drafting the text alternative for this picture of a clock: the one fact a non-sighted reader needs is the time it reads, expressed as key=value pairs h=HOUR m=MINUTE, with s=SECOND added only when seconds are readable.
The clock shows h=12 m=17 s=16
